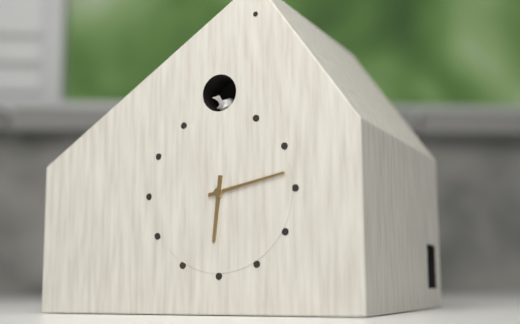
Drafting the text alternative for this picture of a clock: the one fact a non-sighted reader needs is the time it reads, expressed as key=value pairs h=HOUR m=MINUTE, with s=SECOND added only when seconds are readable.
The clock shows h=6 m=13
